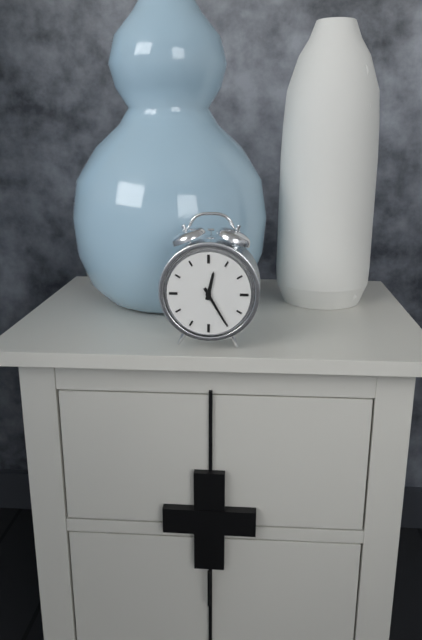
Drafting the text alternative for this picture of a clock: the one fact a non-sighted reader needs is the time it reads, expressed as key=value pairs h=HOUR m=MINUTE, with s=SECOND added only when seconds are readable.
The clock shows h=12 m=25
